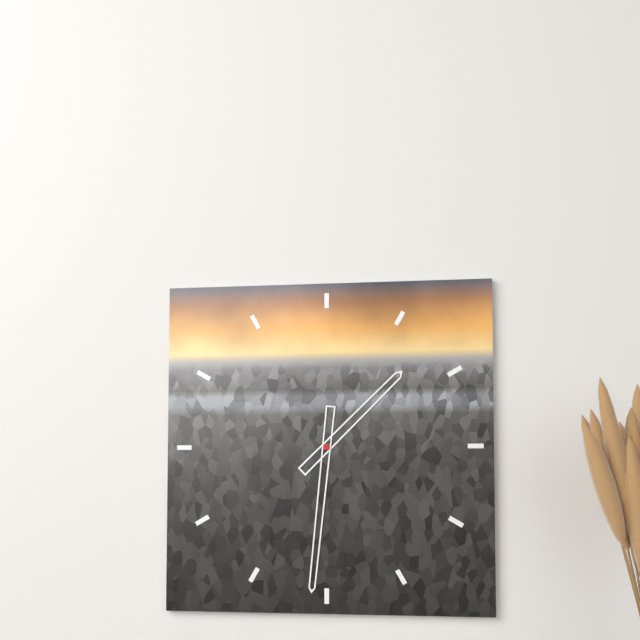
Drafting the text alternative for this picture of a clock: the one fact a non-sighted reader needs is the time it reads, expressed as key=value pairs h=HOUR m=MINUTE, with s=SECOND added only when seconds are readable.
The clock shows h=1 m=31
